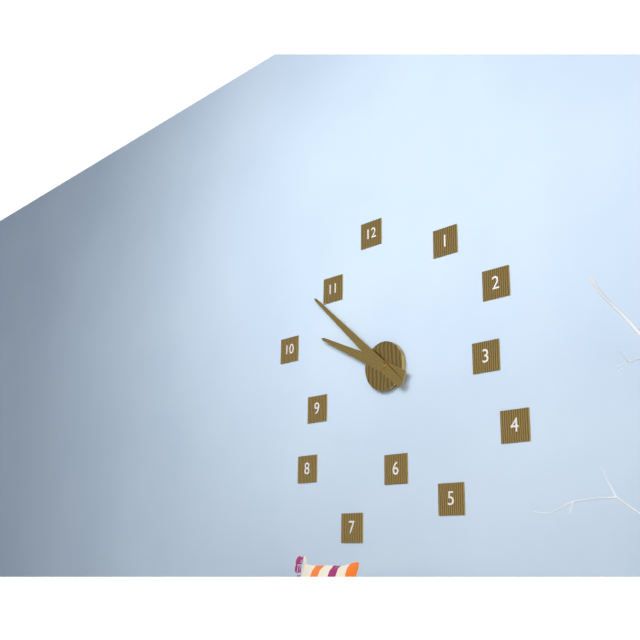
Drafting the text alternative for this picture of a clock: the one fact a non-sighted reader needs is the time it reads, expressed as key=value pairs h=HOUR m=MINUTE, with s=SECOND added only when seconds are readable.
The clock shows h=9 m=52
